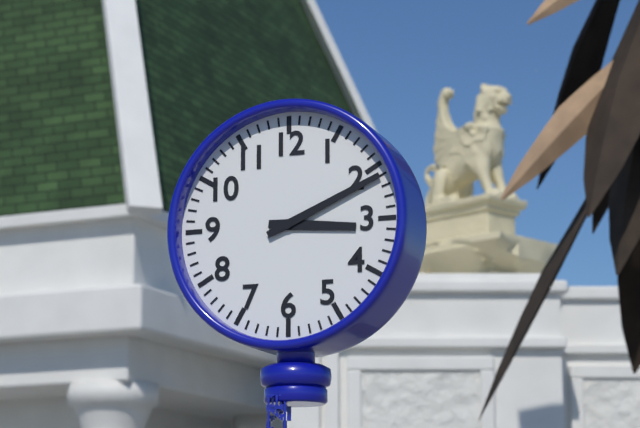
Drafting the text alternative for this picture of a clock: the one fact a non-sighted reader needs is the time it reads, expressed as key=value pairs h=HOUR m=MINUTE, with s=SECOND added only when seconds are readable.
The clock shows h=3 m=11
